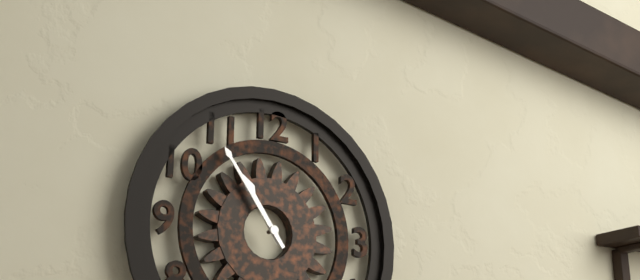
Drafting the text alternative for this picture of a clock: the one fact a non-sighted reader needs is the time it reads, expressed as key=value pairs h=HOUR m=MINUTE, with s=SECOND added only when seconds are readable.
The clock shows h=10 m=54
